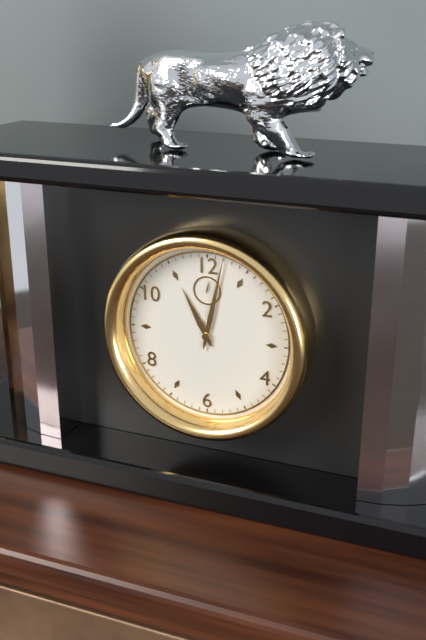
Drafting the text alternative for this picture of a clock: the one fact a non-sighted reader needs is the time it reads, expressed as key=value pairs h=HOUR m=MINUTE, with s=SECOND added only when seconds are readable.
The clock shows h=11 m=2
